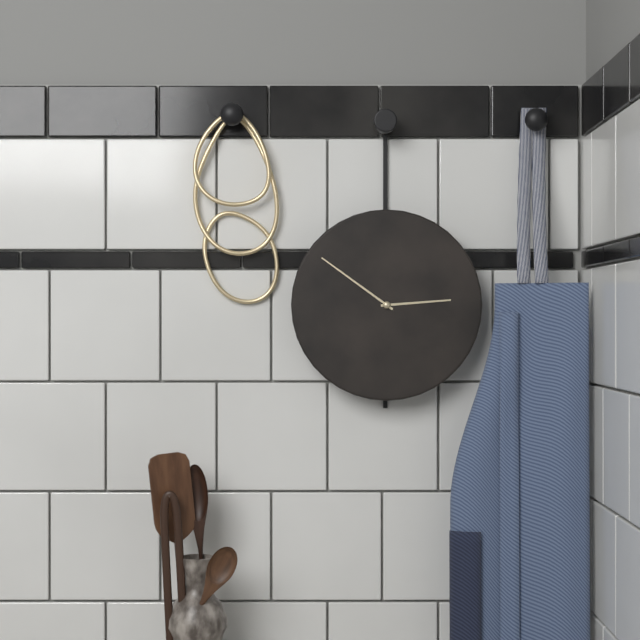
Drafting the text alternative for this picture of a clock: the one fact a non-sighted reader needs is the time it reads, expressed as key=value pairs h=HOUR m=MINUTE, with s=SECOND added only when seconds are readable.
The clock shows h=2 m=51
